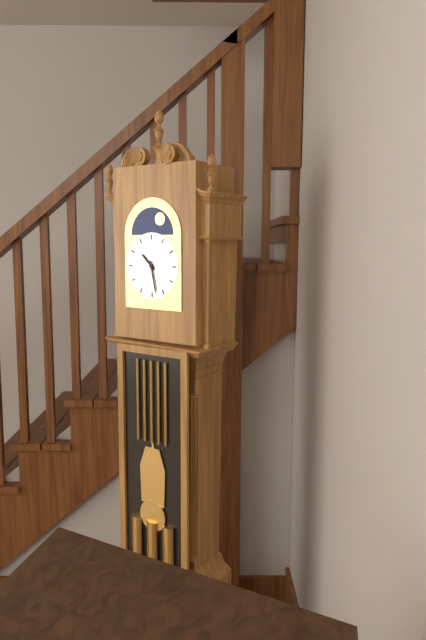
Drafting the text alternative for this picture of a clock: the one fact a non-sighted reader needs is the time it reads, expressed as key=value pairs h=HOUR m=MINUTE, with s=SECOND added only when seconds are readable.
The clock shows h=10 m=28
